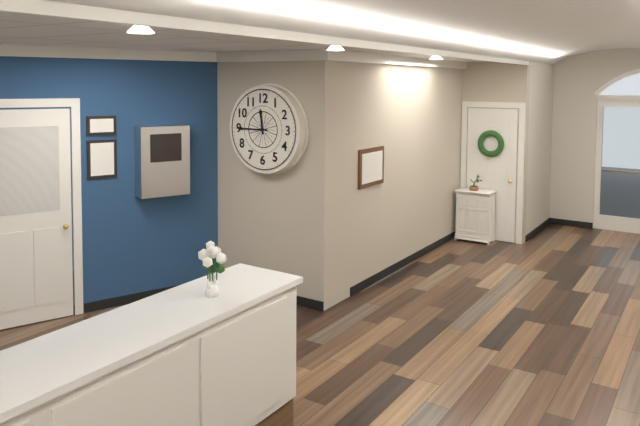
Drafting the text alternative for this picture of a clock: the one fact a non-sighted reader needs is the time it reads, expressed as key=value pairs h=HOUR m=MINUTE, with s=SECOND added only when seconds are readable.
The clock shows h=11 m=45
